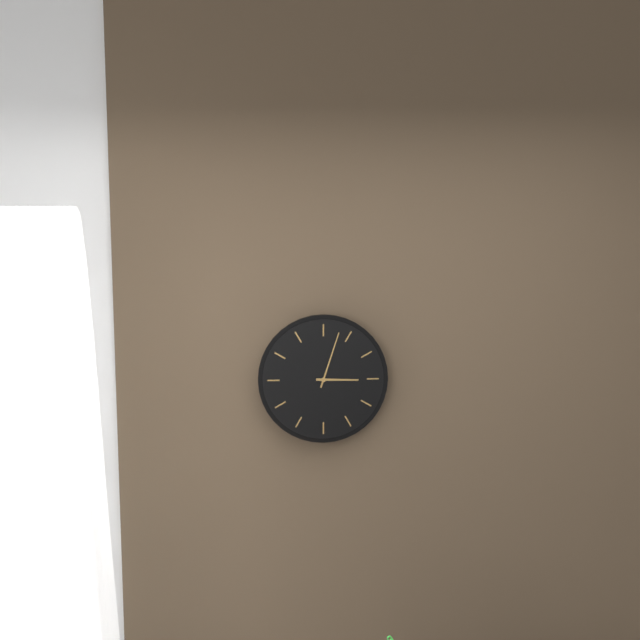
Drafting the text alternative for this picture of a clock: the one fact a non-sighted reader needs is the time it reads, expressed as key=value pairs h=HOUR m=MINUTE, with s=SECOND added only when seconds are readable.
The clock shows h=3 m=3
